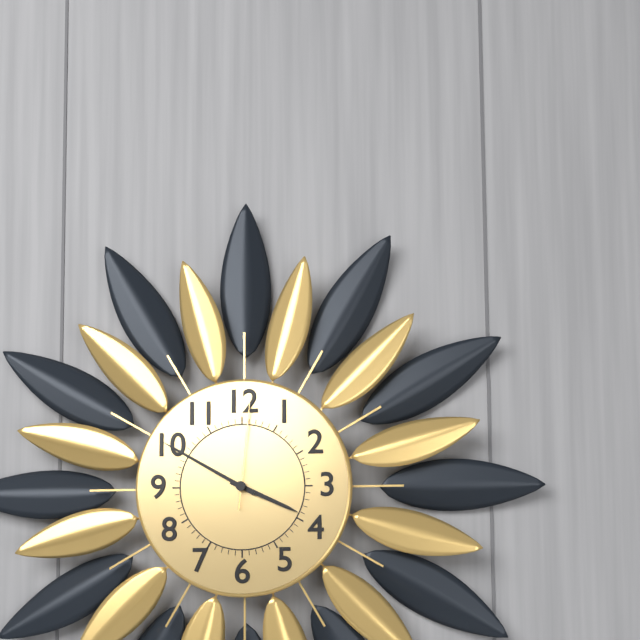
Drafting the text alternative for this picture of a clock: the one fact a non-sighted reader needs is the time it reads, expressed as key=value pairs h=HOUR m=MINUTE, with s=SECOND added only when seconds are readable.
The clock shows h=3 m=50 s=1
